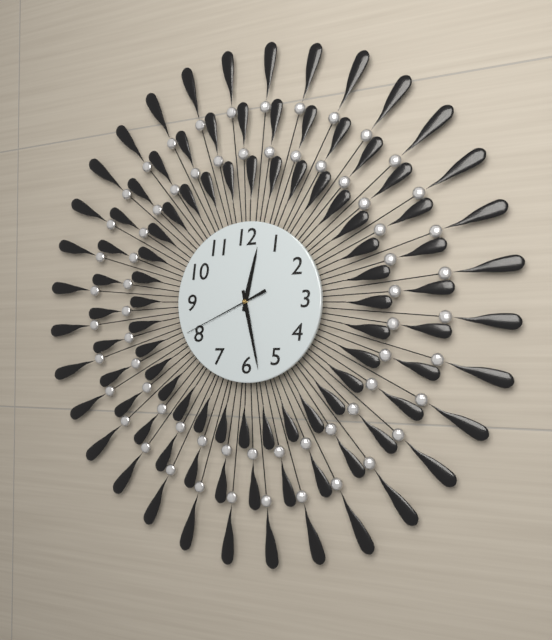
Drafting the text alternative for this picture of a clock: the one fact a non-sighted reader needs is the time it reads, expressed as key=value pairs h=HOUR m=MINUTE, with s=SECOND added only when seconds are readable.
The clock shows h=12 m=28 s=41
